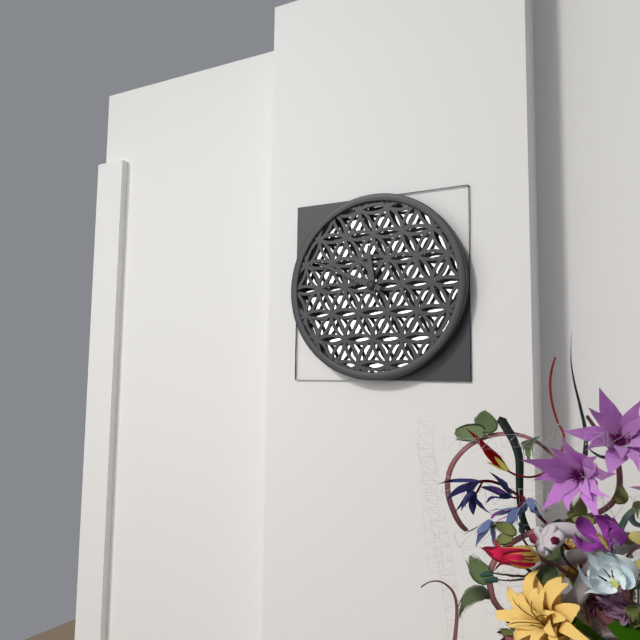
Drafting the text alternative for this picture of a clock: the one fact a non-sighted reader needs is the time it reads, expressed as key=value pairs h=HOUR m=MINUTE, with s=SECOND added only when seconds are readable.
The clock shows h=11 m=49
